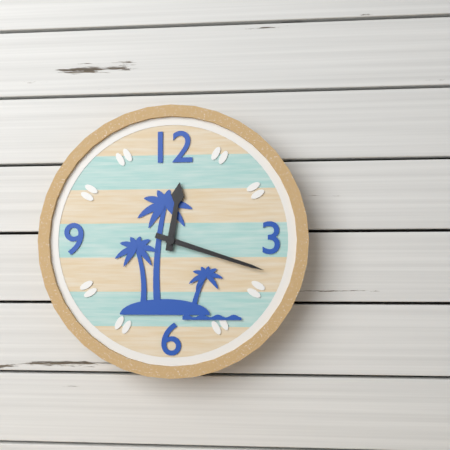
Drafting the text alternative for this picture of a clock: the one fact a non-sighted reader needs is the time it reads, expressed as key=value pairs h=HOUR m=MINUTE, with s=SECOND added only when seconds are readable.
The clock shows h=12 m=18
